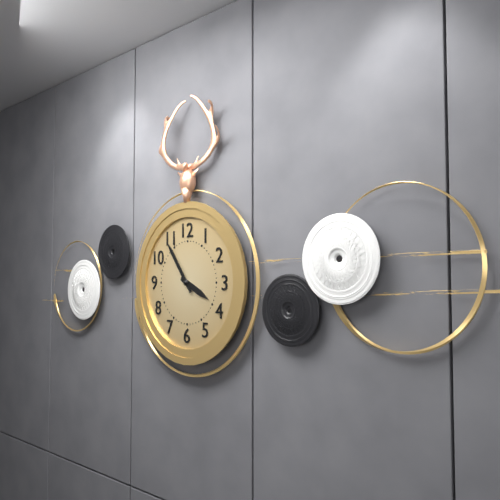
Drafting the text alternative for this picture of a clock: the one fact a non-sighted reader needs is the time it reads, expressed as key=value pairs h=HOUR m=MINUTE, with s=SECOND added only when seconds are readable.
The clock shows h=3 m=54
